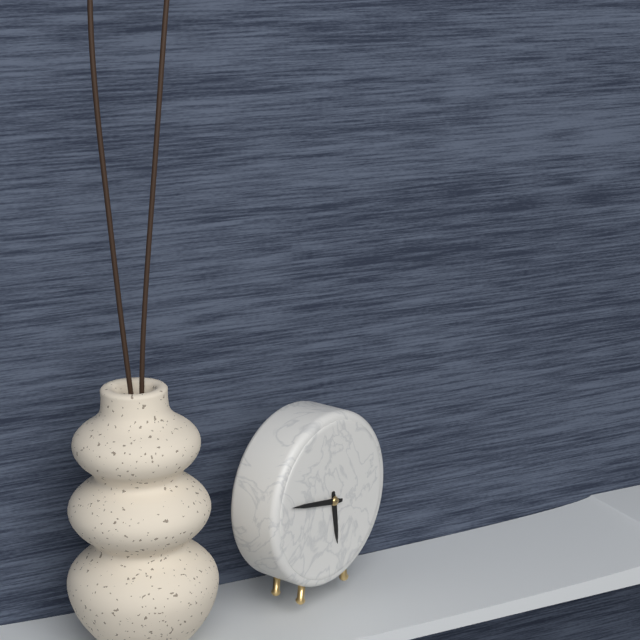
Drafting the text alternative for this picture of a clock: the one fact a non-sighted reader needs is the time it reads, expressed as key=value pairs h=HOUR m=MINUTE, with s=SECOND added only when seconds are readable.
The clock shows h=5 m=47
